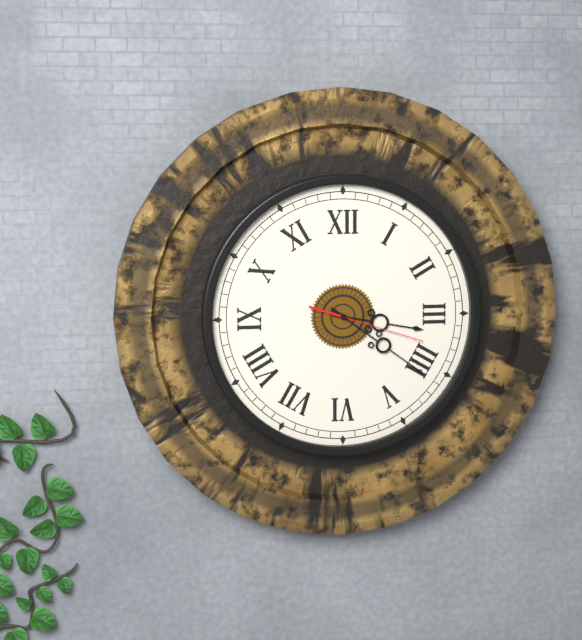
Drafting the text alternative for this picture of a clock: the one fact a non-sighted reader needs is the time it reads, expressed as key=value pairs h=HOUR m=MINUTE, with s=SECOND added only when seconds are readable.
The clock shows h=3 m=21 s=18
